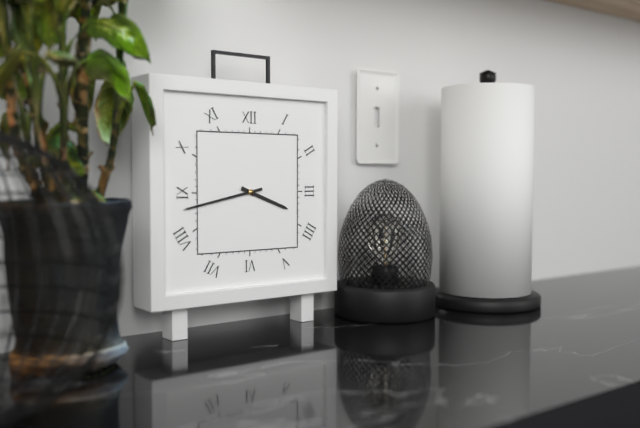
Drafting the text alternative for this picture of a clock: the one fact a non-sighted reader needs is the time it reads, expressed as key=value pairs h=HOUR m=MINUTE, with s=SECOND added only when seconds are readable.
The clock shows h=3 m=43
